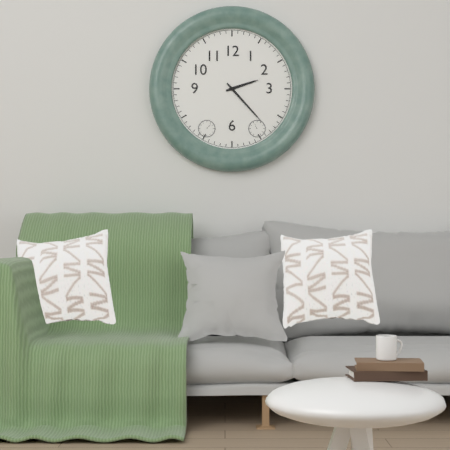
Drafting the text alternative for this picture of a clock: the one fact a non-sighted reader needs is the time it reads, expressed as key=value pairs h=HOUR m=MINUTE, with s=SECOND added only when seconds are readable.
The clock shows h=2 m=23
